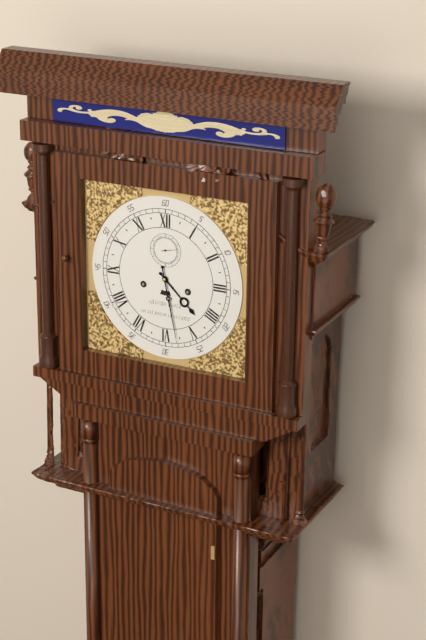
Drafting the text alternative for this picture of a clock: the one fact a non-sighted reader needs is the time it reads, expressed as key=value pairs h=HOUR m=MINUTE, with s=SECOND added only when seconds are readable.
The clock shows h=4 m=28
